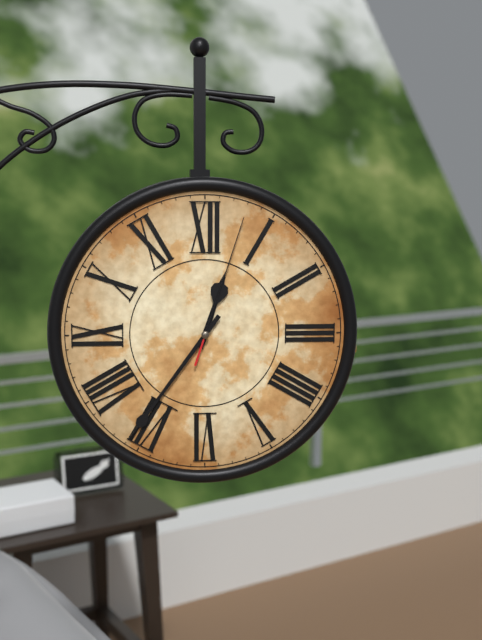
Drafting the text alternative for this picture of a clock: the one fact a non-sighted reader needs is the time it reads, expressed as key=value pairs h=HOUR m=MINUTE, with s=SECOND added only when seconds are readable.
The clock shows h=12 m=36 s=3
